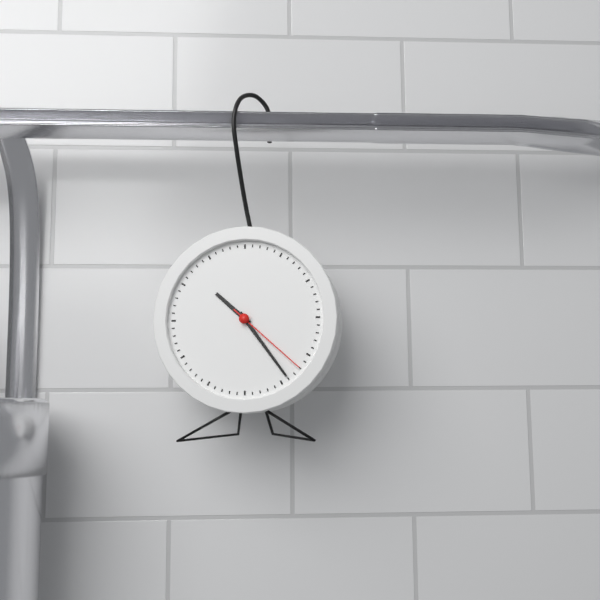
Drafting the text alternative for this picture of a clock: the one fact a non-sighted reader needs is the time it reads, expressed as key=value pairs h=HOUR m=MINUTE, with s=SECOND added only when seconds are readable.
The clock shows h=10 m=24 s=22
